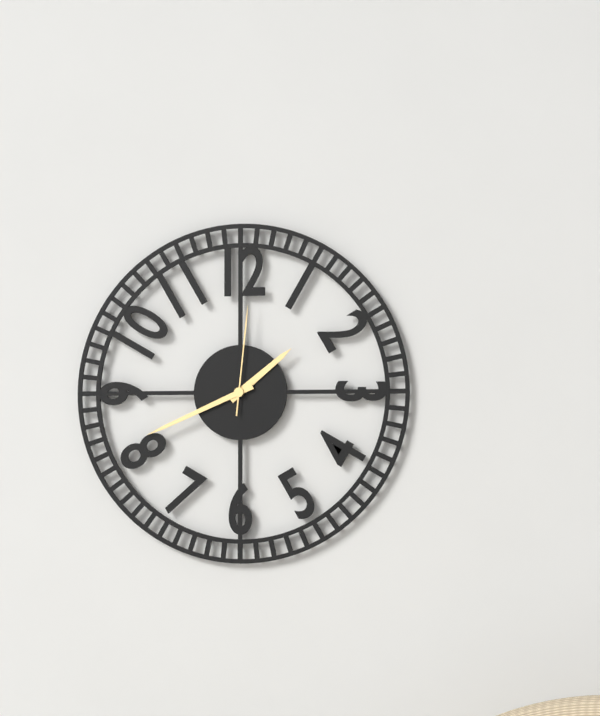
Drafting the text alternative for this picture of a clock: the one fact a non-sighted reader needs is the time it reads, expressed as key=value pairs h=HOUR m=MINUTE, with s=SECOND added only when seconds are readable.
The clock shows h=1 m=41 s=1
